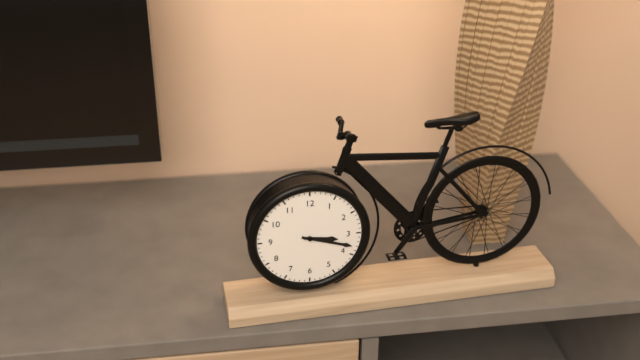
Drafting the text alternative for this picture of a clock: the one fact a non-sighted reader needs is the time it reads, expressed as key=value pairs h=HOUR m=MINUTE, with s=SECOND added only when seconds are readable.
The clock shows h=3 m=18
